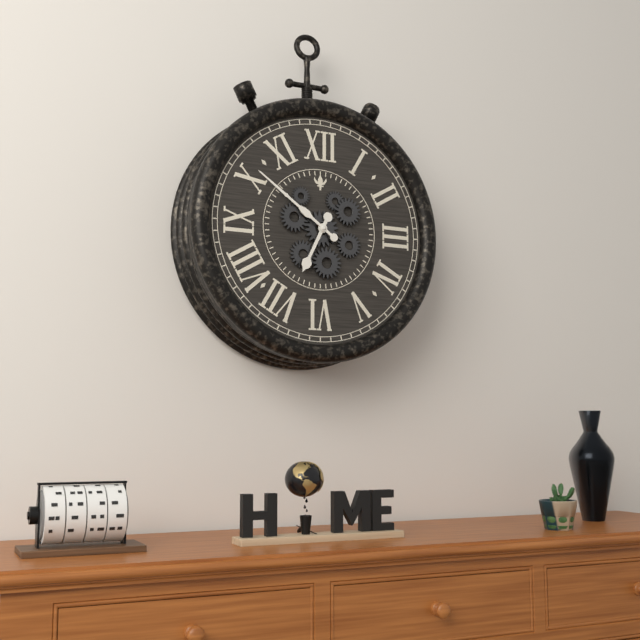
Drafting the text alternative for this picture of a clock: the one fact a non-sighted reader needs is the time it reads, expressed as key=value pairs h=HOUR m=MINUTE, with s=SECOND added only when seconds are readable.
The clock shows h=6 m=51
